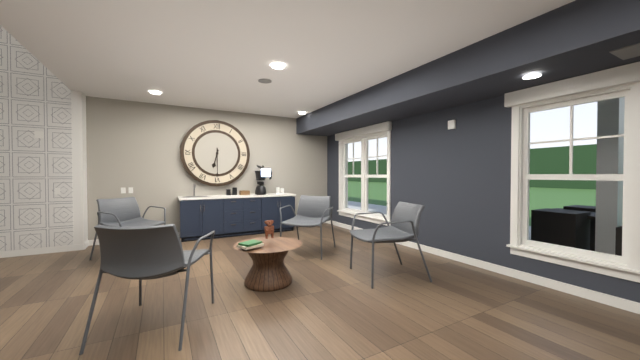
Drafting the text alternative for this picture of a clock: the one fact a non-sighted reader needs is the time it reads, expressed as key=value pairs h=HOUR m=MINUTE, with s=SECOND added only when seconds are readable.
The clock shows h=6 m=30
